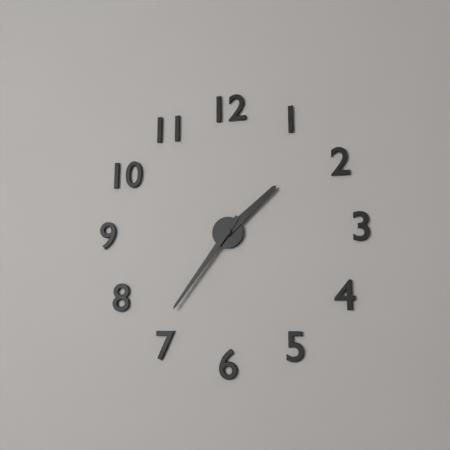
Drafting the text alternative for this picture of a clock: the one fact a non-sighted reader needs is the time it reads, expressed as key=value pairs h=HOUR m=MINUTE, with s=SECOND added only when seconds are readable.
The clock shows h=1 m=36
